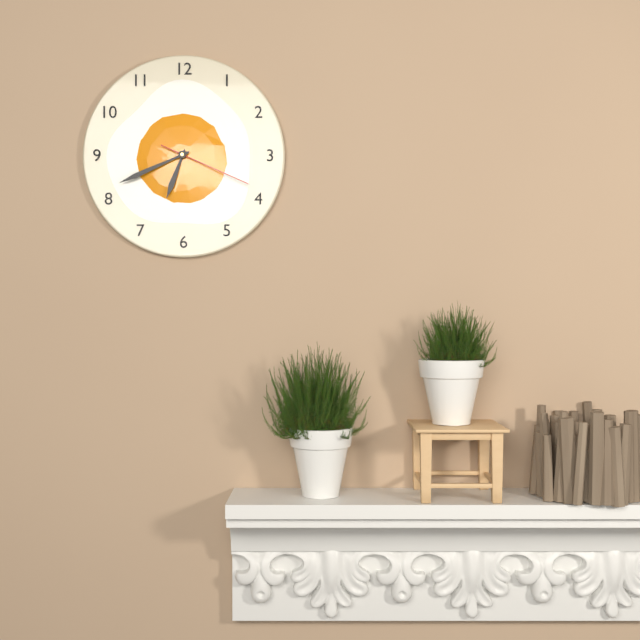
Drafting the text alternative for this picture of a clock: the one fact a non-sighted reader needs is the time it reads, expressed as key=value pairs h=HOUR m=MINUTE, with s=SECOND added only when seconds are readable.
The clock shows h=6 m=41 s=19
